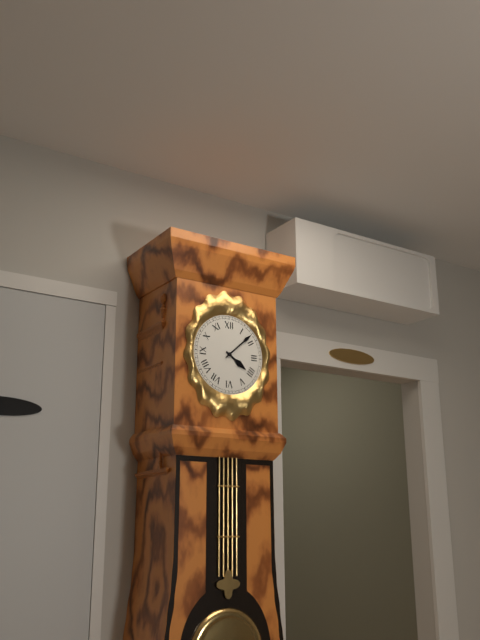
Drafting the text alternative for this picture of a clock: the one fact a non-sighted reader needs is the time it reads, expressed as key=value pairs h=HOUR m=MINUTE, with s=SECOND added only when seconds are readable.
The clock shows h=4 m=8
